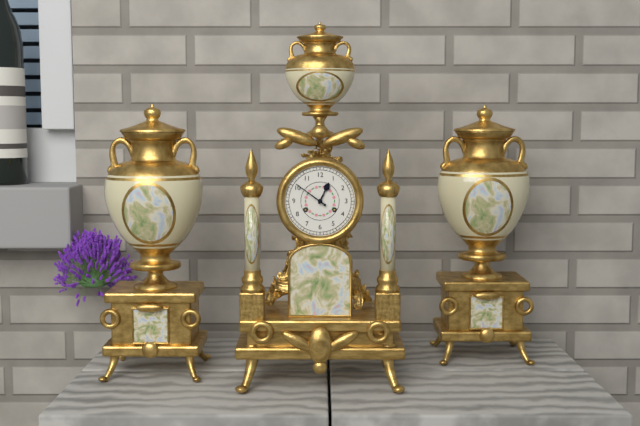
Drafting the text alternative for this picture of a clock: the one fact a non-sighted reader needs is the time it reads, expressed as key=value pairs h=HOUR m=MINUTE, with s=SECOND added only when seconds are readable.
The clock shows h=12 m=51
